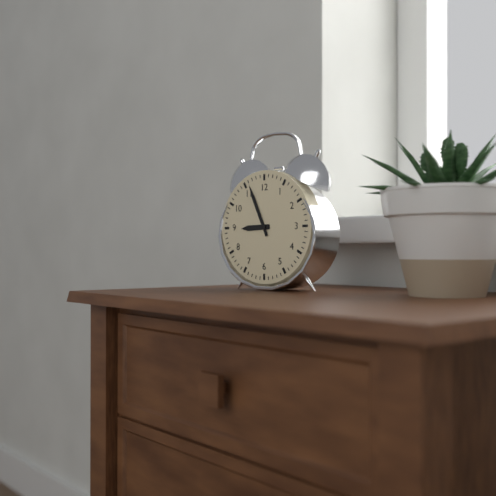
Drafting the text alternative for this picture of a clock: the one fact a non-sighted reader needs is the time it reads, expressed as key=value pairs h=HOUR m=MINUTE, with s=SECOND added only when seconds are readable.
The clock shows h=8 m=56
